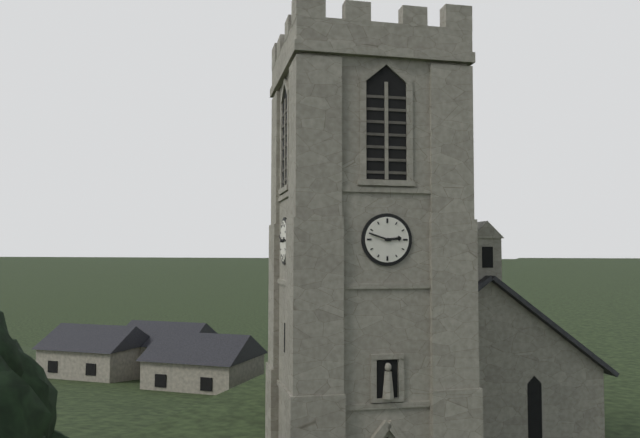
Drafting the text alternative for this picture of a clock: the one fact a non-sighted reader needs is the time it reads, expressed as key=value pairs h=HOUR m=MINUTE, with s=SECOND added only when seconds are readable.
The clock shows h=2 m=48
